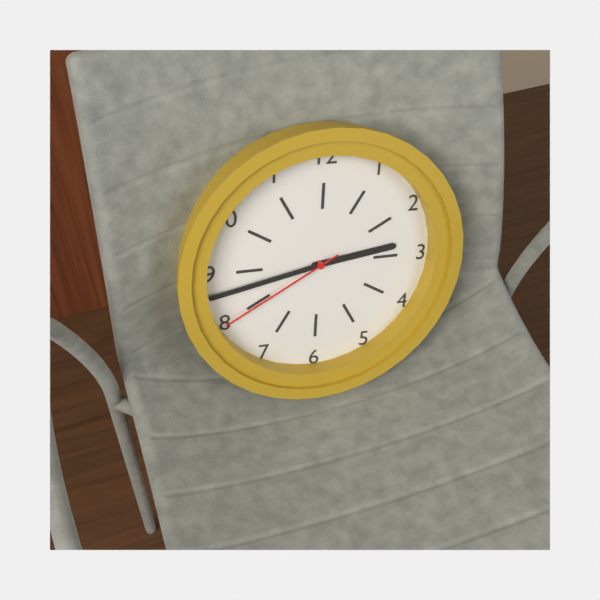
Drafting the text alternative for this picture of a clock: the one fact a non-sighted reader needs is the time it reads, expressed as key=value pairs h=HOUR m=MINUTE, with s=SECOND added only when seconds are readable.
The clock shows h=2 m=43 s=40
